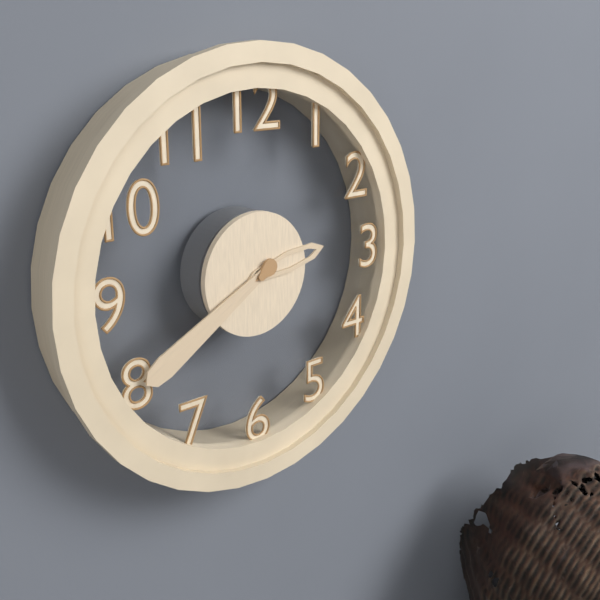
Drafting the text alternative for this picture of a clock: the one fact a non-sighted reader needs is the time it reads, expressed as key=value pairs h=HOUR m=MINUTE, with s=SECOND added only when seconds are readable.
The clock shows h=2 m=40
